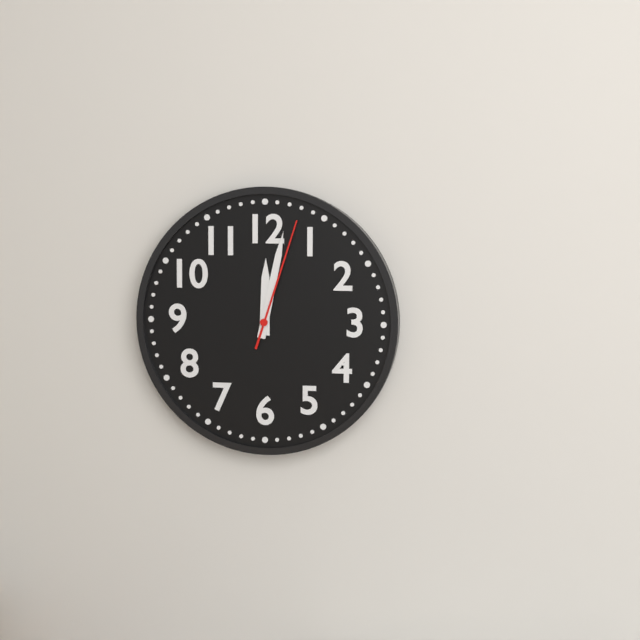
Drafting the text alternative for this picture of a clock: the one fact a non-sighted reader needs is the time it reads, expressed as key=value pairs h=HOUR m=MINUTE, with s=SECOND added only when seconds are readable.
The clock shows h=12 m=2 s=3
